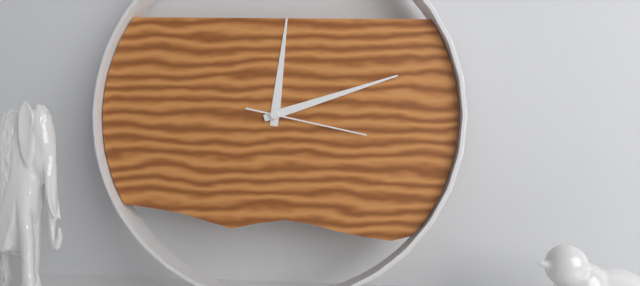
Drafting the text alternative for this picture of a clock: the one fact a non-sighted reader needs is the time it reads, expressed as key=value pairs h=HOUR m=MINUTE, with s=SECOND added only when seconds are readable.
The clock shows h=12 m=12 s=17
